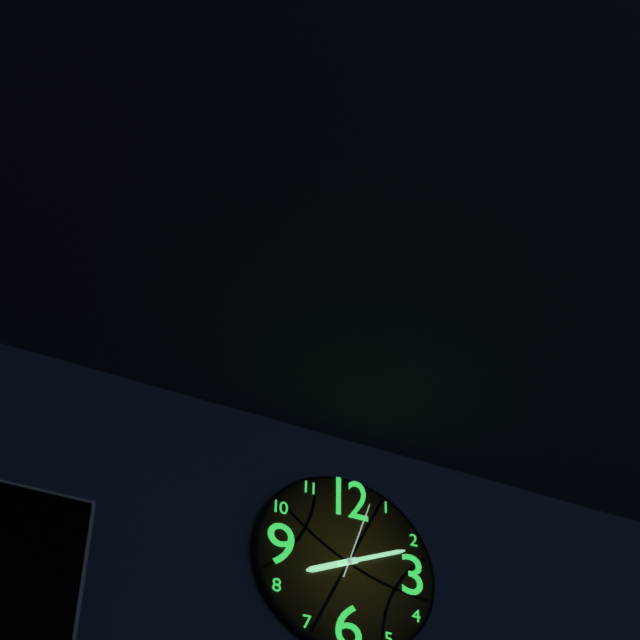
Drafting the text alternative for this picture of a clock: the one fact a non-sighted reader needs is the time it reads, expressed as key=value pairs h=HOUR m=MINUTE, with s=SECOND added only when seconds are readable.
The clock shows h=8 m=11 s=3
